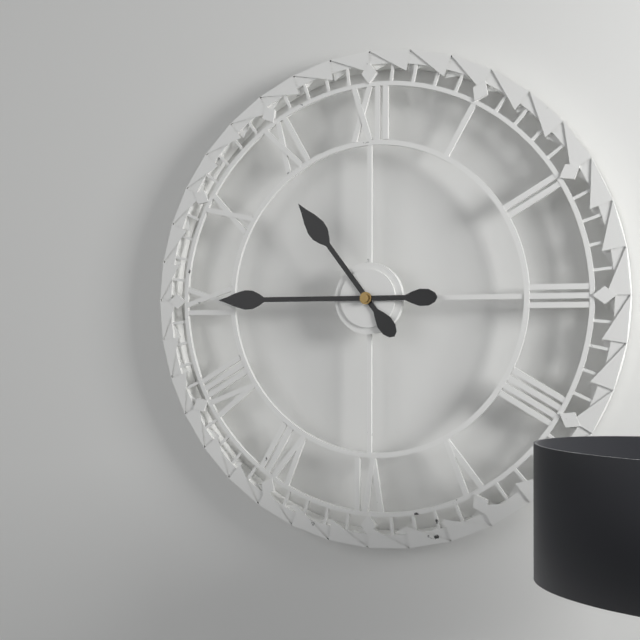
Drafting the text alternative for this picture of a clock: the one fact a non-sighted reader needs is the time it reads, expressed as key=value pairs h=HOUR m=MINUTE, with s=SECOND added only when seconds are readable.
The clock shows h=10 m=45
